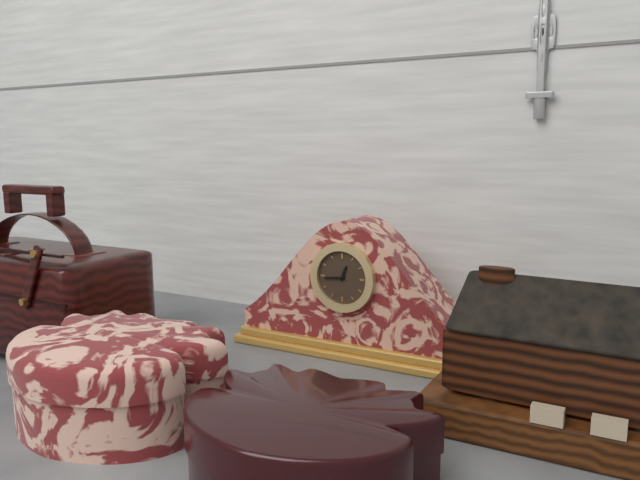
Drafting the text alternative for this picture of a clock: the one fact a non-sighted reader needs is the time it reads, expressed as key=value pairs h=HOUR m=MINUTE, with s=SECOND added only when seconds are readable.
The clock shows h=12 m=44
